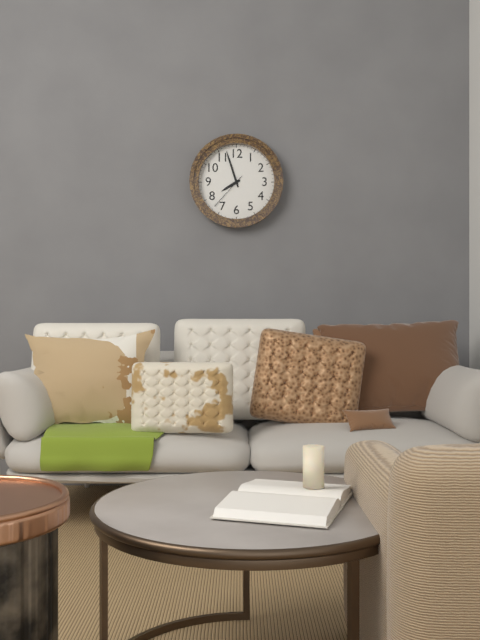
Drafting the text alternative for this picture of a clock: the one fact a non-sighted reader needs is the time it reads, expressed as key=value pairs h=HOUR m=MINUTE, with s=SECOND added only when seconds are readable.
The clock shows h=7 m=57
